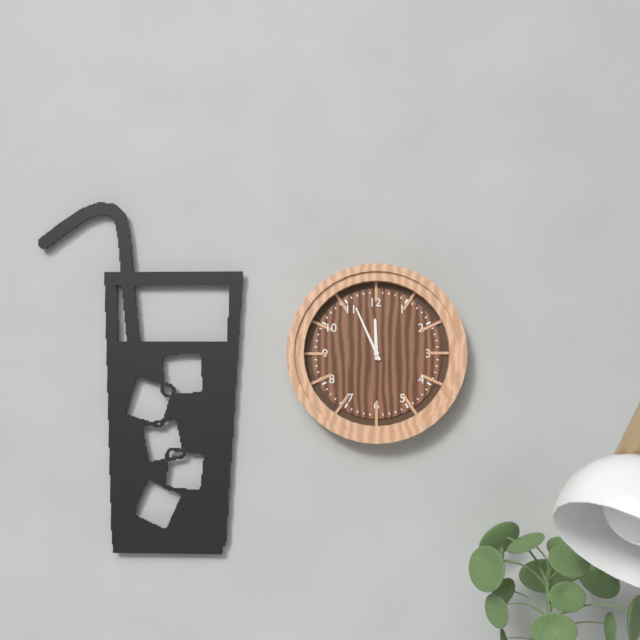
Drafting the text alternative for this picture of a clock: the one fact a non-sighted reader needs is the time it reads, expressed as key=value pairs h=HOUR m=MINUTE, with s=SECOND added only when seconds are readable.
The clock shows h=11 m=56
